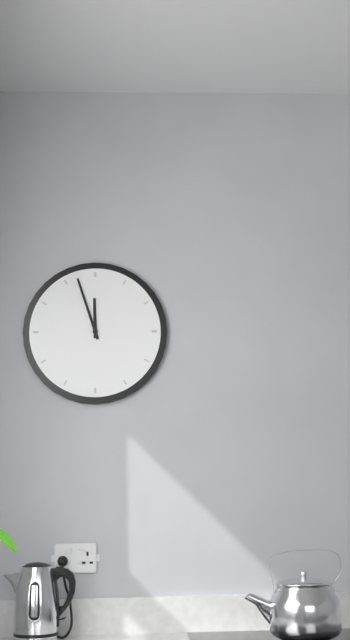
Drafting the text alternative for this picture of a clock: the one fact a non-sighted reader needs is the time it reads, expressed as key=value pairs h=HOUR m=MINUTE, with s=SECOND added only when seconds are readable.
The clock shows h=11 m=57
